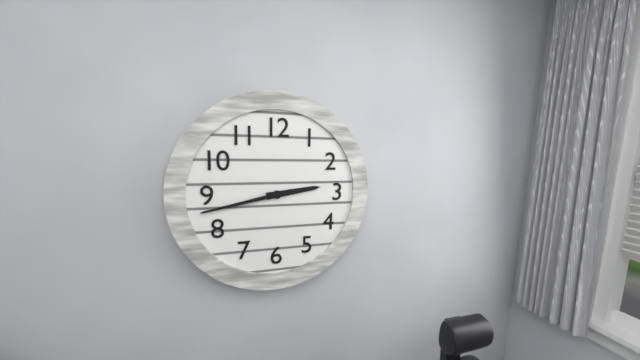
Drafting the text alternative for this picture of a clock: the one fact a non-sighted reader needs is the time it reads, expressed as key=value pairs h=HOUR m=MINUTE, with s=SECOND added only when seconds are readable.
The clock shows h=2 m=43
